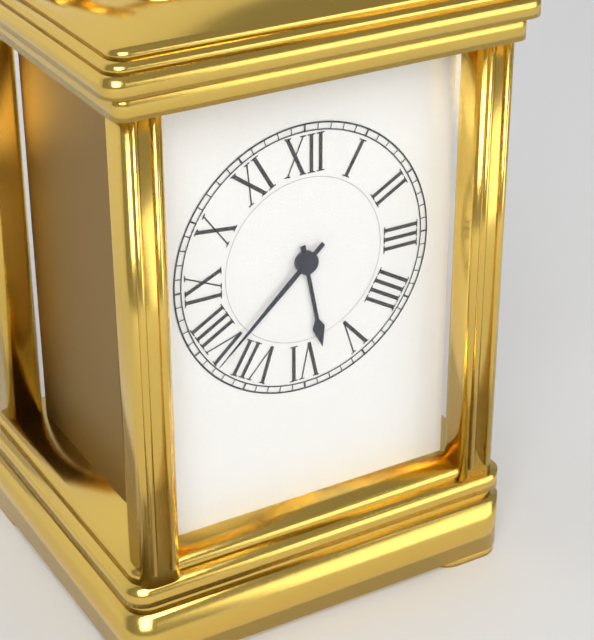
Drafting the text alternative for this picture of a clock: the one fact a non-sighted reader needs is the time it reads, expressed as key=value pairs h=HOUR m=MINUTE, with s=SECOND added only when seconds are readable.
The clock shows h=5 m=38
